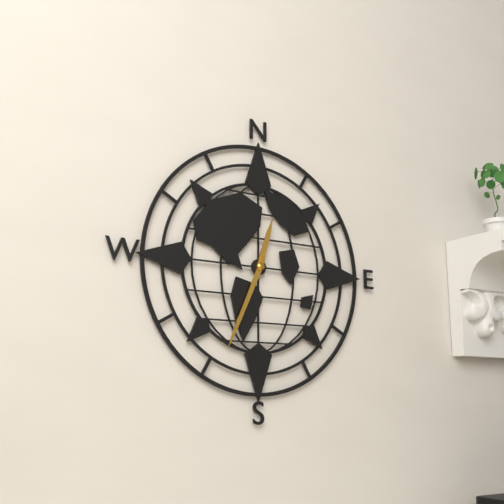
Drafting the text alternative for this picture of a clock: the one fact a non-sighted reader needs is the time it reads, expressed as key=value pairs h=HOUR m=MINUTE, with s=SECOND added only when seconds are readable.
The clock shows h=12 m=34
